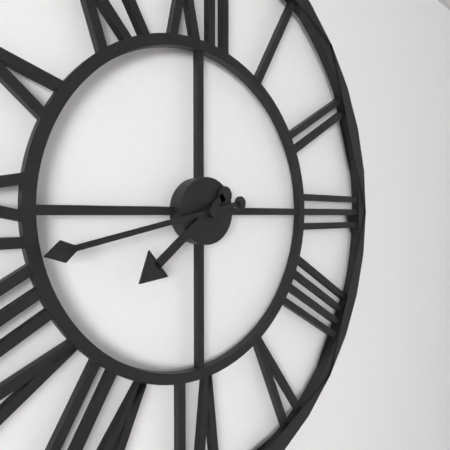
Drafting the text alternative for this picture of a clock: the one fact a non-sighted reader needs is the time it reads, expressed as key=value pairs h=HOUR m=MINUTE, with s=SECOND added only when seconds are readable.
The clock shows h=7 m=43
